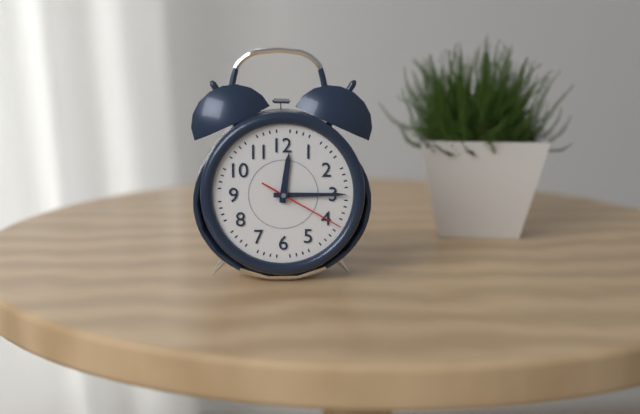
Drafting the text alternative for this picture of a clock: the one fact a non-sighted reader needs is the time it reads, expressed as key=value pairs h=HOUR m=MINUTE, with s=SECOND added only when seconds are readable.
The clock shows h=12 m=15 s=20
